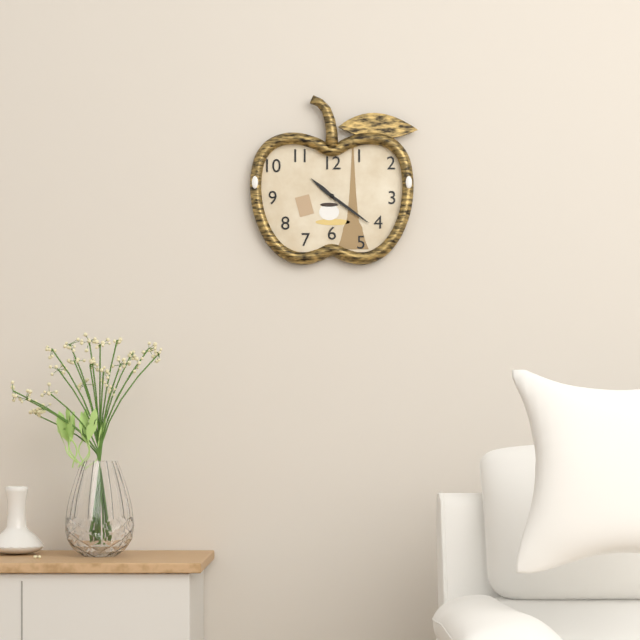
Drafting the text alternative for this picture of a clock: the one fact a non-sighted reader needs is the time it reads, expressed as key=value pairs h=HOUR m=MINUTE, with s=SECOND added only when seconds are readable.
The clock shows h=10 m=21
